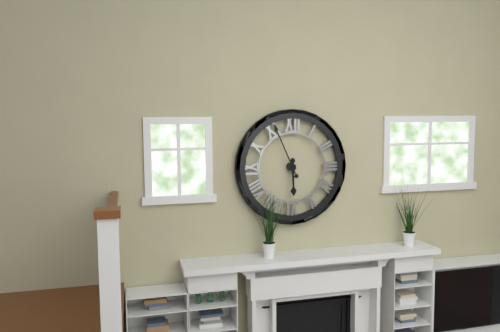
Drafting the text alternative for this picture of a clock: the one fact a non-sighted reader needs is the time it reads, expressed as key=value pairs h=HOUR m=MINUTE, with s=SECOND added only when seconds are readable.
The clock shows h=5 m=56
